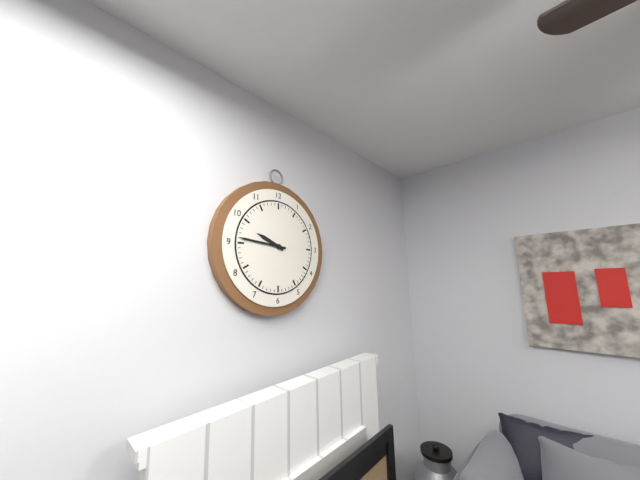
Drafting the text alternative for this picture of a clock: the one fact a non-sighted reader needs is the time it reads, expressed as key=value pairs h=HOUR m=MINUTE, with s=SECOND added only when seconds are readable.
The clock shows h=9 m=46
